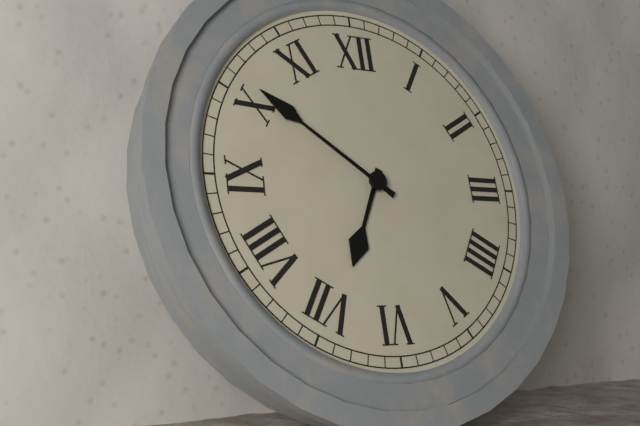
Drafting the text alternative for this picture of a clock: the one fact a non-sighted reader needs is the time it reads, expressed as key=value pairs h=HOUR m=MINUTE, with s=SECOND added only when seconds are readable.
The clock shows h=6 m=51
